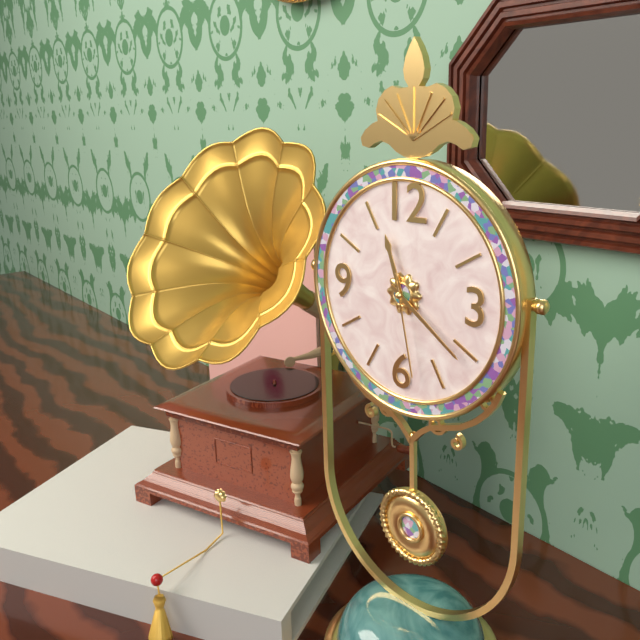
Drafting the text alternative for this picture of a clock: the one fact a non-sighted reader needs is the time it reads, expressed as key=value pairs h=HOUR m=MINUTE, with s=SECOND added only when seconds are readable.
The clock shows h=11 m=21 s=28
